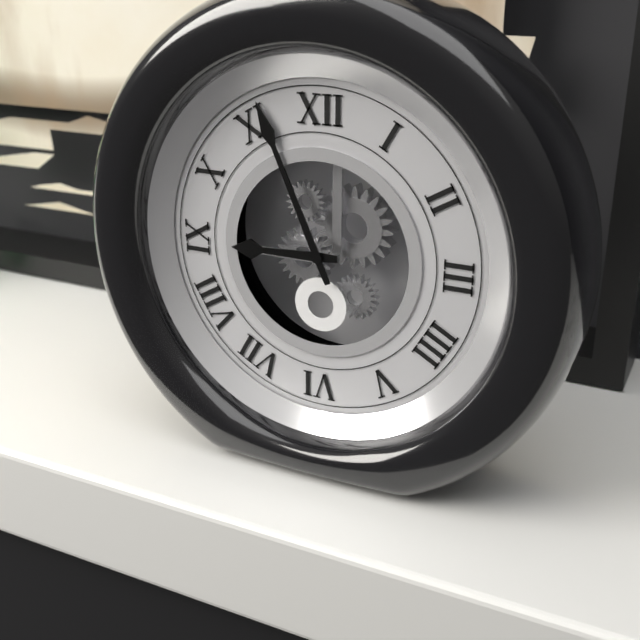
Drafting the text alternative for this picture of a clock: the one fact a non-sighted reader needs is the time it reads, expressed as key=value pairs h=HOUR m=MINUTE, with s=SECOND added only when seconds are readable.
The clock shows h=8 m=56
